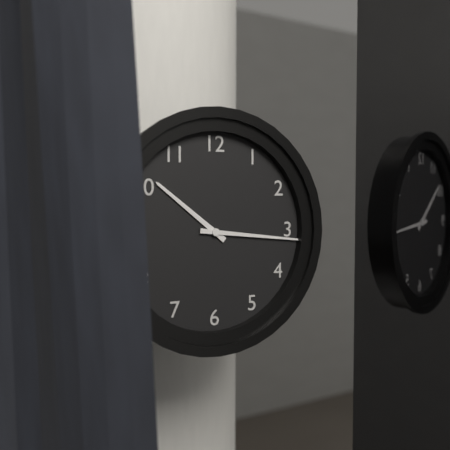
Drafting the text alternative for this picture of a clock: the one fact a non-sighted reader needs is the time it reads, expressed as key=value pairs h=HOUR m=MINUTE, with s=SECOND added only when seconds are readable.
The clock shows h=10 m=16
